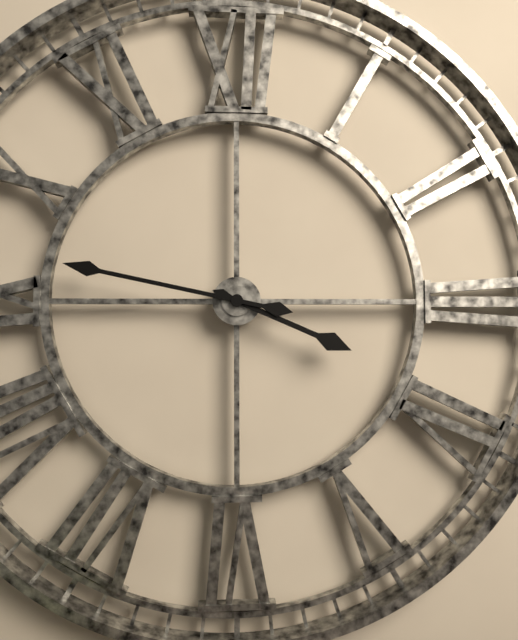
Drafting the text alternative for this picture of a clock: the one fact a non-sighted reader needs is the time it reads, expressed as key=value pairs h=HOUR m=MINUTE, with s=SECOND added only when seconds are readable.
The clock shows h=3 m=47
